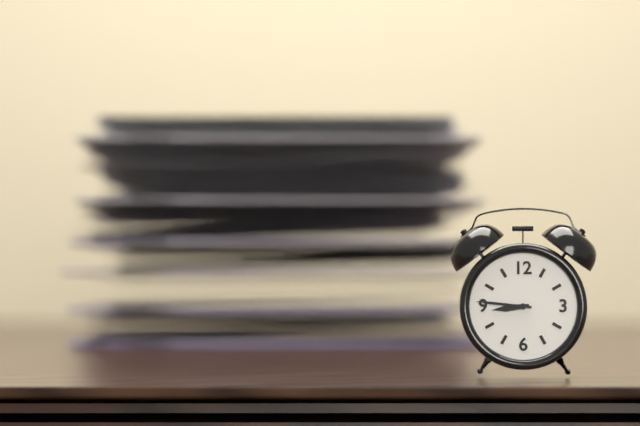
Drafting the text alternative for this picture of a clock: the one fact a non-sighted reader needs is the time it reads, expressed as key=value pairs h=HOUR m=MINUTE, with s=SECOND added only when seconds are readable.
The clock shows h=8 m=46
